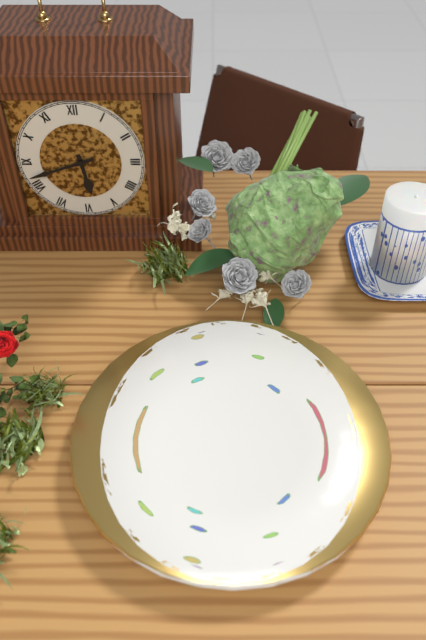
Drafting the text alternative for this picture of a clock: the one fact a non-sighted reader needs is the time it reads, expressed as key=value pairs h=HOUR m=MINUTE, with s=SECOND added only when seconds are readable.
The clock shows h=5 m=42
